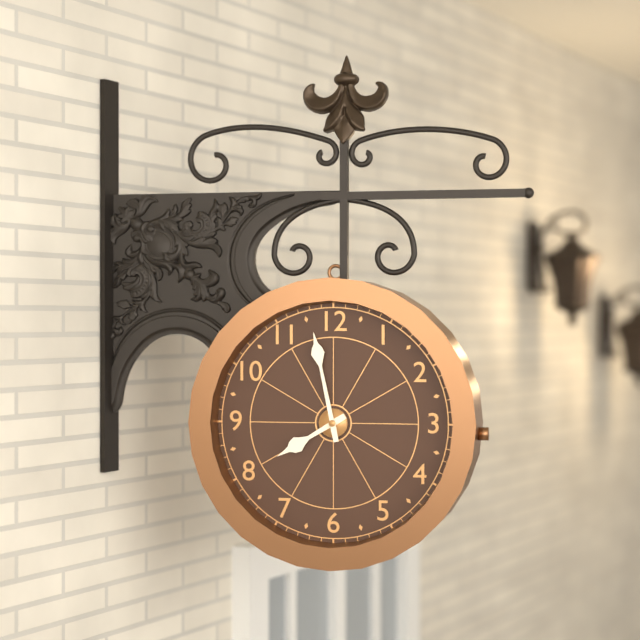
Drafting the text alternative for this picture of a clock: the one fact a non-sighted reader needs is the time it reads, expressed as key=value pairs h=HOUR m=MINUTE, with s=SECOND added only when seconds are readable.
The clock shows h=7 m=58
